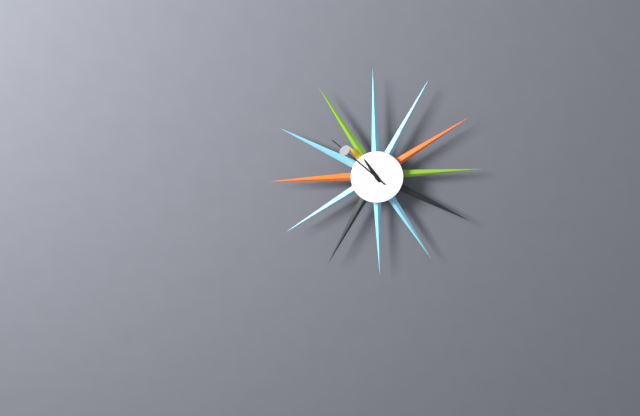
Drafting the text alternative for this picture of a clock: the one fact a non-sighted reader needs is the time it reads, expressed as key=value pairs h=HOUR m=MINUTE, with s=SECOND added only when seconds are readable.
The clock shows h=10 m=52
